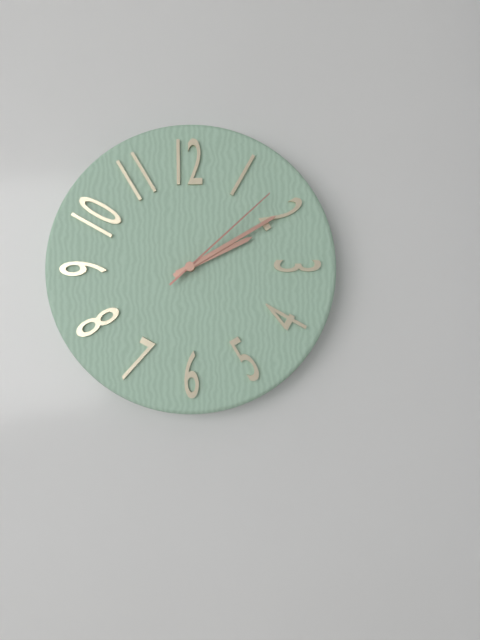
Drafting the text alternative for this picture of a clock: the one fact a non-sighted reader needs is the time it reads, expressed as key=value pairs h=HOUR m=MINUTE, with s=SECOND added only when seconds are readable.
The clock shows h=2 m=10 s=8
